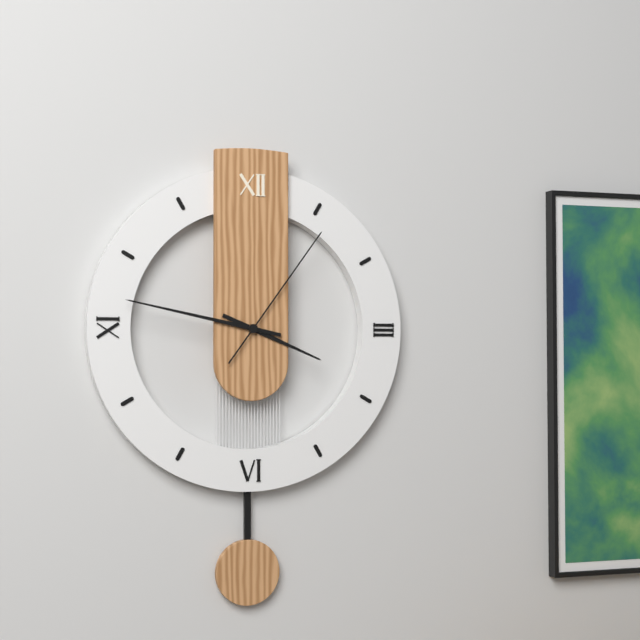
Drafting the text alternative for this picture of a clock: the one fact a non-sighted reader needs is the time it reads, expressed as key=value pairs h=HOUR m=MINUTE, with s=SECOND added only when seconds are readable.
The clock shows h=3 m=47 s=6
